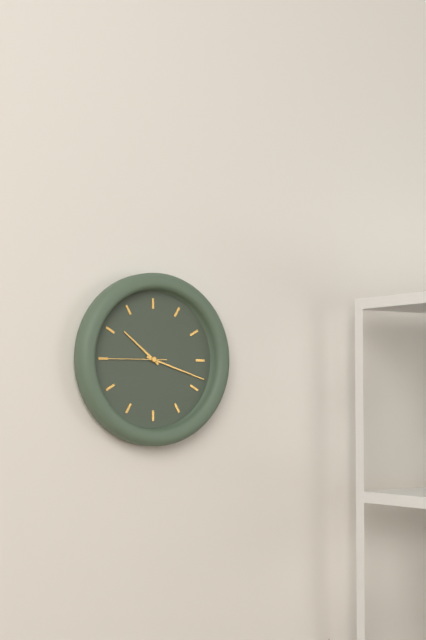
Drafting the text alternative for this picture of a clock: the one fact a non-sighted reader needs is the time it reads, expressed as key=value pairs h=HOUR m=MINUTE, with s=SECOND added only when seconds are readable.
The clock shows h=10 m=18 s=45
